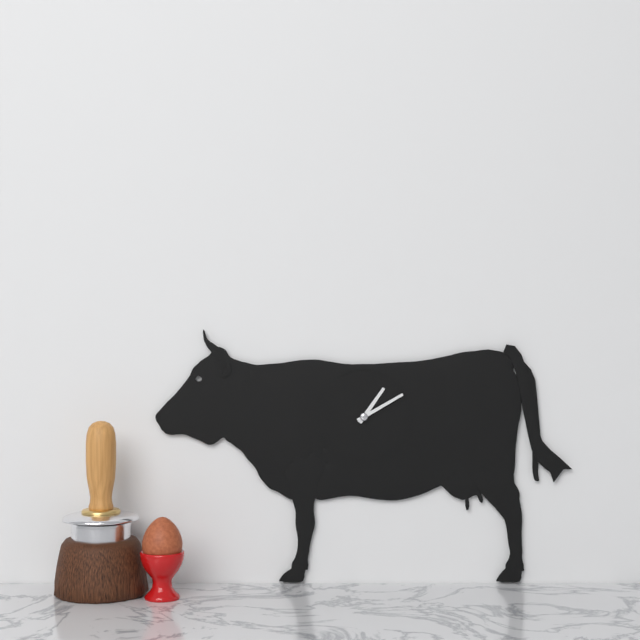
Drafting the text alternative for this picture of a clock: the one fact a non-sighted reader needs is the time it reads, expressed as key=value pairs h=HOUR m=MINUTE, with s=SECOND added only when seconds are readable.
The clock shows h=1 m=10
